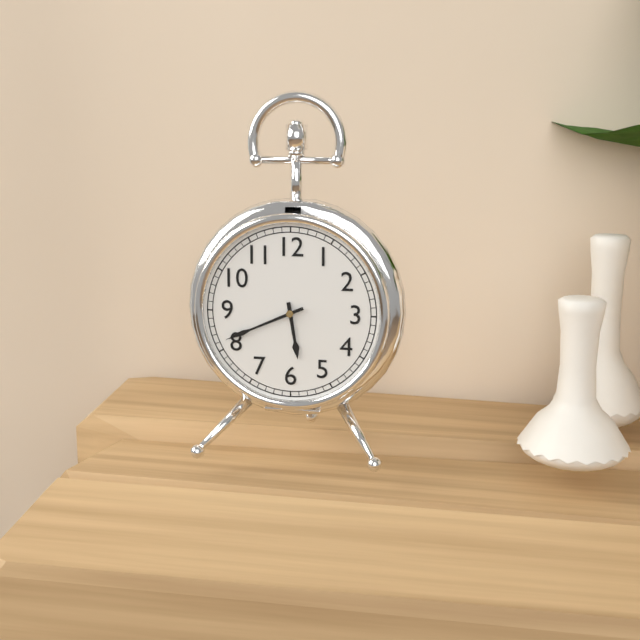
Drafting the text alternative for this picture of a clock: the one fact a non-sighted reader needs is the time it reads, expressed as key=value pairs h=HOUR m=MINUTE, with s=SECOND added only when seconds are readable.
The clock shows h=5 m=41
